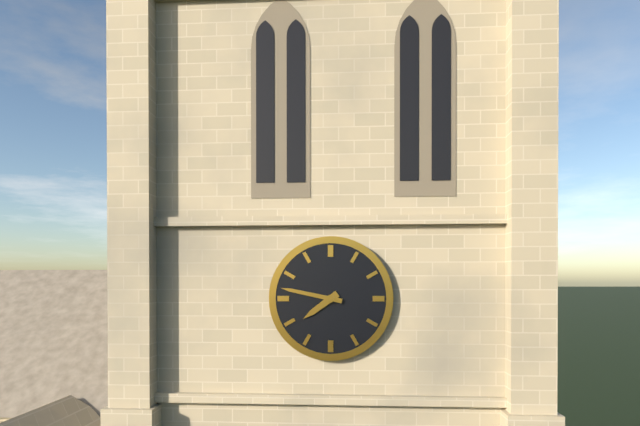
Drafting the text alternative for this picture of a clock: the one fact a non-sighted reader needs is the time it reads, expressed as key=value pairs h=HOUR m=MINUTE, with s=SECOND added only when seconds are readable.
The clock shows h=7 m=47
